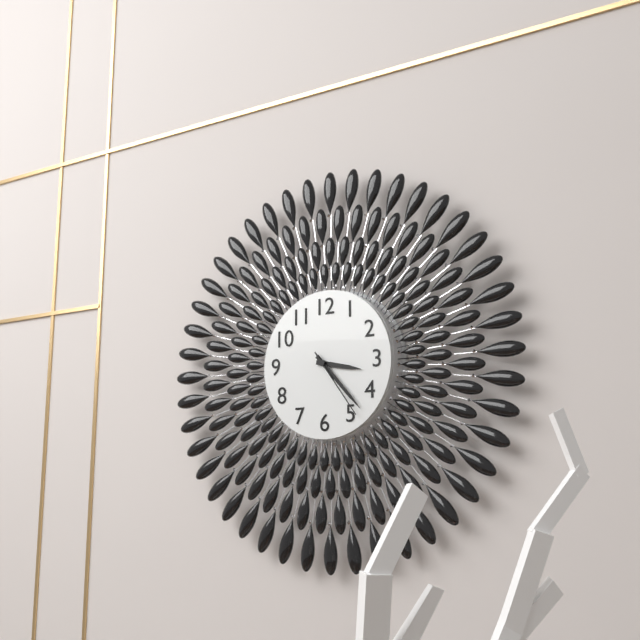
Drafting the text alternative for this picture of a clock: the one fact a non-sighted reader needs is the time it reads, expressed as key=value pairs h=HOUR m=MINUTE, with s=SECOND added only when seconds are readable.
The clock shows h=3 m=23 s=24
